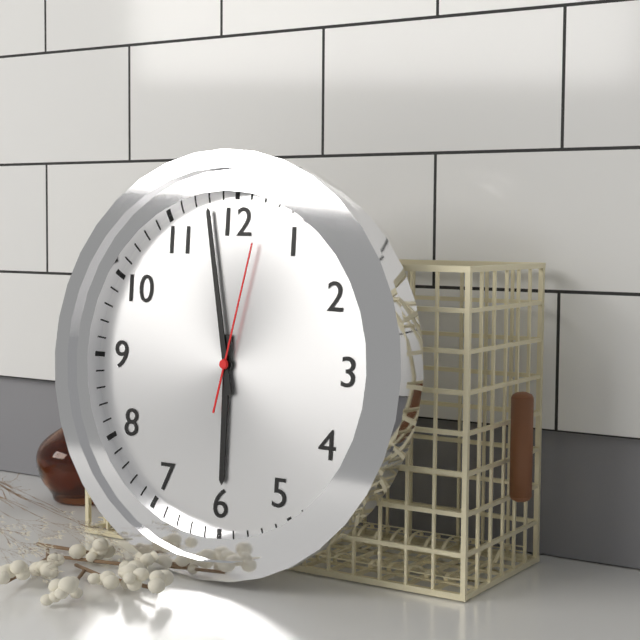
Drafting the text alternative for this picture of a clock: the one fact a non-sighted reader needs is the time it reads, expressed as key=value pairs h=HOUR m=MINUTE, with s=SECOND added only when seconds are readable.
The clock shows h=5 m=58 s=2
